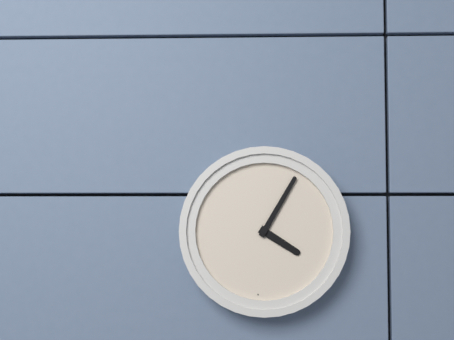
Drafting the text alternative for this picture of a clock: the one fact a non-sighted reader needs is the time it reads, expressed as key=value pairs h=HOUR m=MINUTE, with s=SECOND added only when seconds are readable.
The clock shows h=4 m=5
